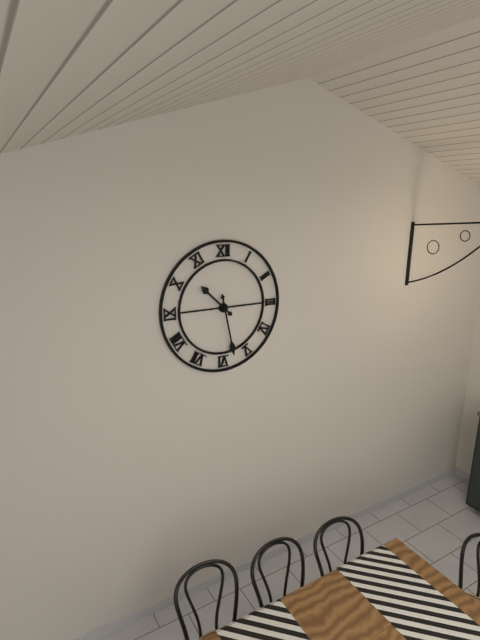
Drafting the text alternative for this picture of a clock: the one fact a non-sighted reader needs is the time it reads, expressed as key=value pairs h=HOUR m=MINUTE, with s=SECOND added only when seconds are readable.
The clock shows h=10 m=28
